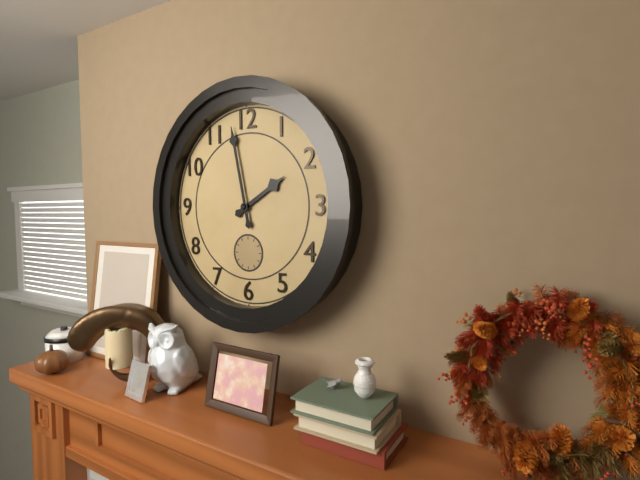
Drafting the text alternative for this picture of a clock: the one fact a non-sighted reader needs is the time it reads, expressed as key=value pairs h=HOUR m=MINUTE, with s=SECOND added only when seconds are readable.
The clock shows h=1 m=58
